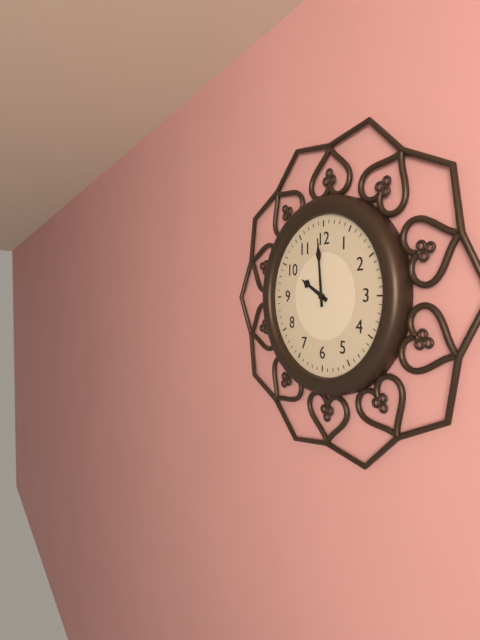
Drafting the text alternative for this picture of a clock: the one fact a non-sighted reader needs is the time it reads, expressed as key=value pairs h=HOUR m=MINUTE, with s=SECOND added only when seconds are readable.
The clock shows h=9 m=59
